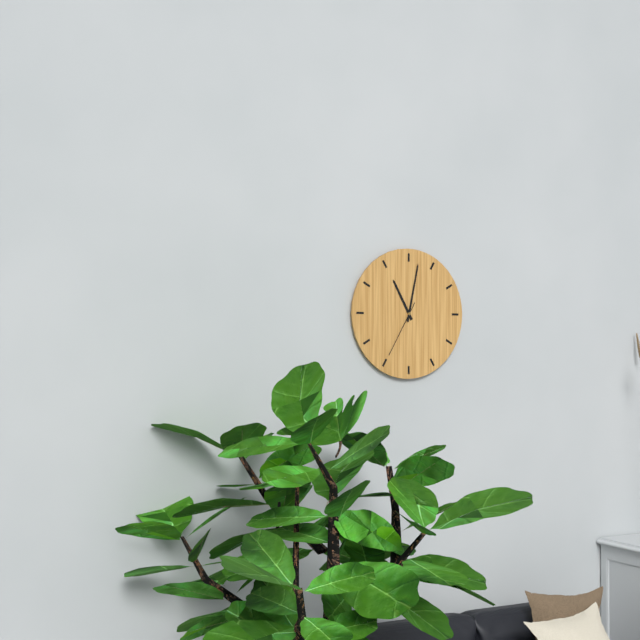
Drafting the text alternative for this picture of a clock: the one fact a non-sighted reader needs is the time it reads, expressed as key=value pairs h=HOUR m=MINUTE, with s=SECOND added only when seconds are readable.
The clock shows h=11 m=2 s=35
